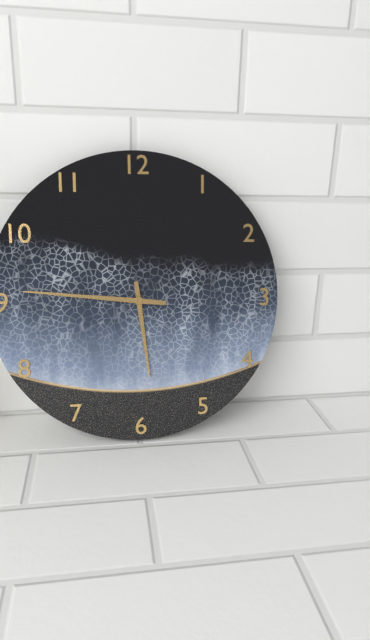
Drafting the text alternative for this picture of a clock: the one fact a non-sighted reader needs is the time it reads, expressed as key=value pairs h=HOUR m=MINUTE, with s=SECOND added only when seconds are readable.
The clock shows h=5 m=46
